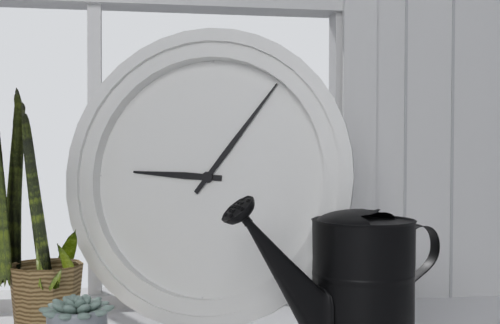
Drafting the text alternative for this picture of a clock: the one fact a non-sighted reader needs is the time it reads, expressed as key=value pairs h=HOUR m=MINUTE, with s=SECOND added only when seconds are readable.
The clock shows h=9 m=6
